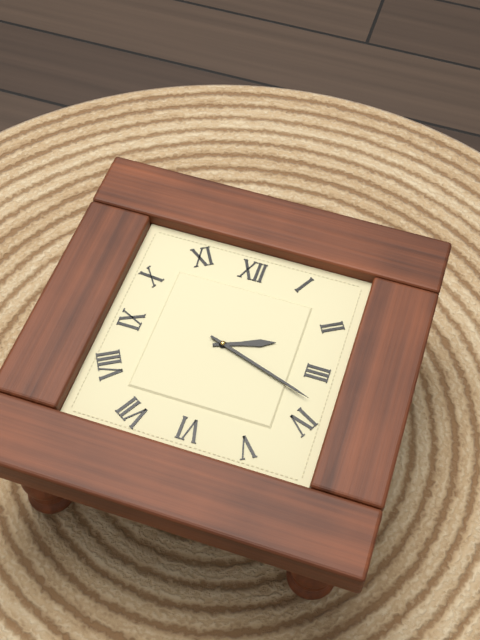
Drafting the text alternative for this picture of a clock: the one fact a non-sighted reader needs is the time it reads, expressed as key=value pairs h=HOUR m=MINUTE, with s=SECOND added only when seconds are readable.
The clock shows h=2 m=18
